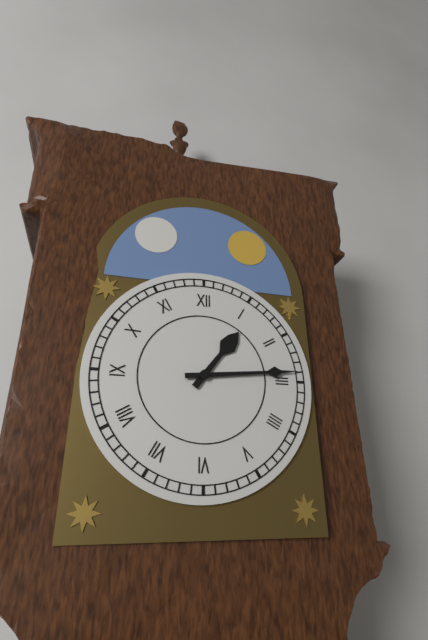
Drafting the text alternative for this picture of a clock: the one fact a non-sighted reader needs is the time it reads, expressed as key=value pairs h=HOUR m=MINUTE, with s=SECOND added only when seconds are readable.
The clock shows h=1 m=14
